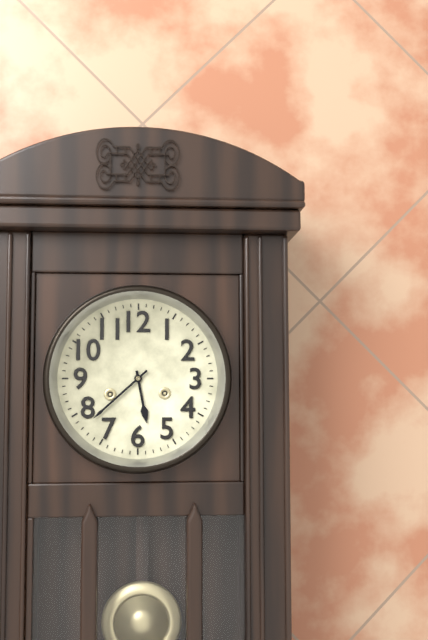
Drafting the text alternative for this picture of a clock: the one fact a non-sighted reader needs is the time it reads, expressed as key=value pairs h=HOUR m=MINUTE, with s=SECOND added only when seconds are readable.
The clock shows h=5 m=38
